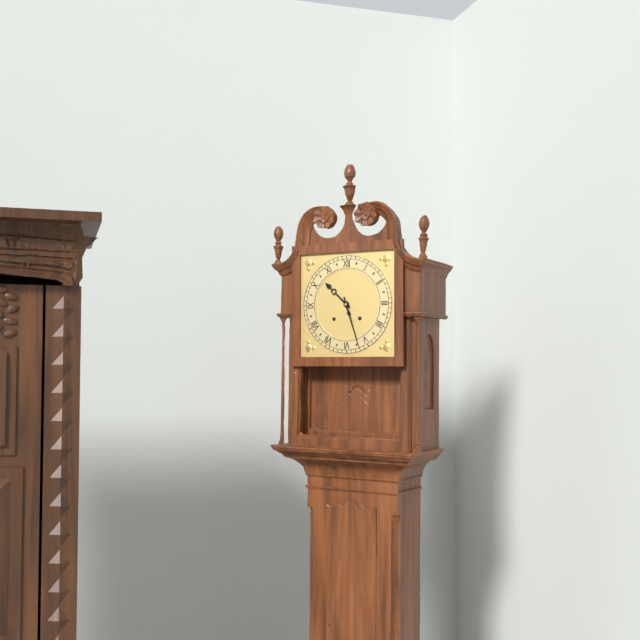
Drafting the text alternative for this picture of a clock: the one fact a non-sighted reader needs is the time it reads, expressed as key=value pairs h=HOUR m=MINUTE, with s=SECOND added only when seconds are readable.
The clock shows h=10 m=27
